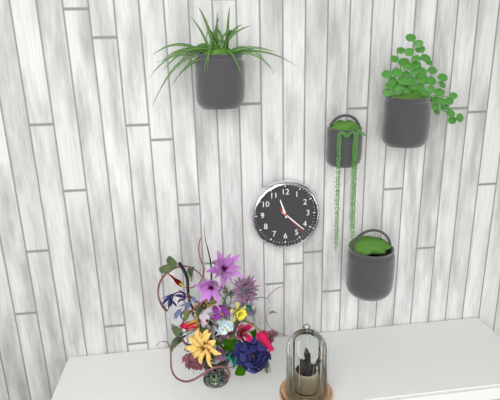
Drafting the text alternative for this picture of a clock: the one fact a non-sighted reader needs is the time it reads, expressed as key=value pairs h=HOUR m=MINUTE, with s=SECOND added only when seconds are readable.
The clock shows h=11 m=22
